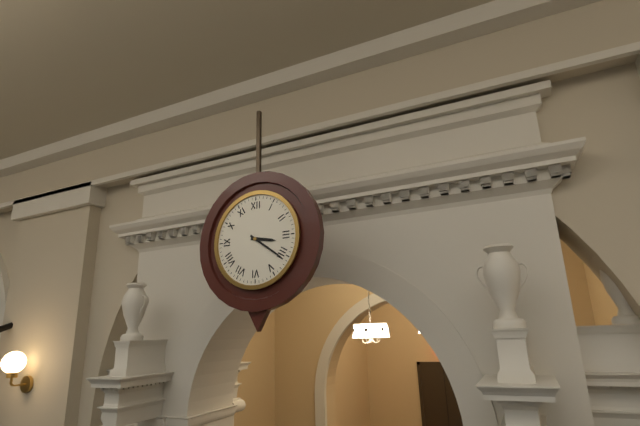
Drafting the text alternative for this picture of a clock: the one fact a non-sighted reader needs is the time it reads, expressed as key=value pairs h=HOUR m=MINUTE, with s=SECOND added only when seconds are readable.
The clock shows h=3 m=21
